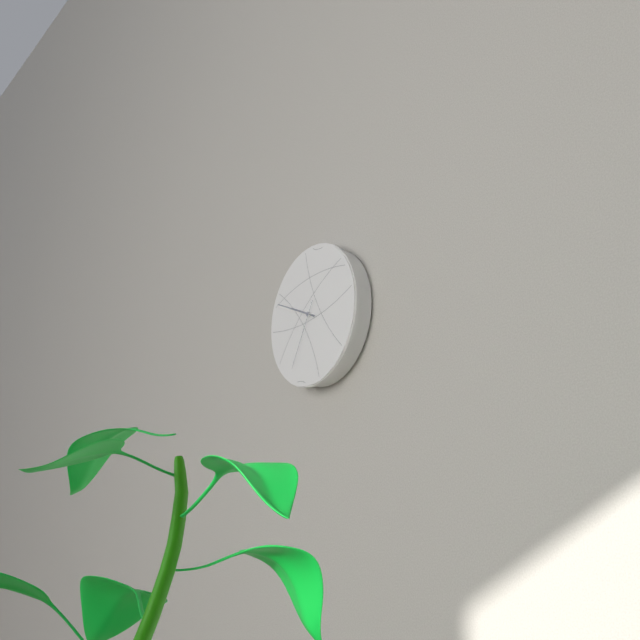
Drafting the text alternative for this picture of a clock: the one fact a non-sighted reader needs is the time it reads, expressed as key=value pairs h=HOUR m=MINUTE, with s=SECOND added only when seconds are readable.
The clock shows h=9 m=49 s=35
